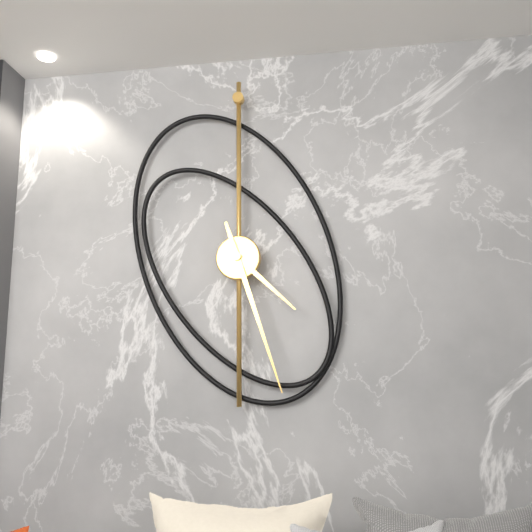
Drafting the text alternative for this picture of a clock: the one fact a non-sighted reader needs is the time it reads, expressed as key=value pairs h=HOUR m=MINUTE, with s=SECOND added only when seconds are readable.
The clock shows h=4 m=27
